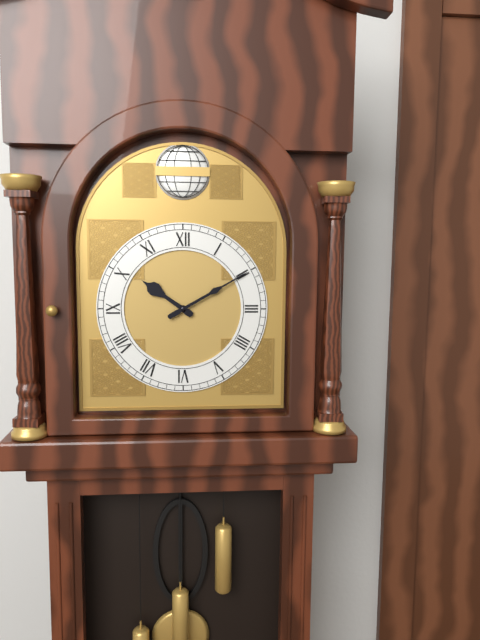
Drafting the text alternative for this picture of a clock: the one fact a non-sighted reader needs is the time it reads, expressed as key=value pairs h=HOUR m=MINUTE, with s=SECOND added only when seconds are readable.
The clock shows h=10 m=10
